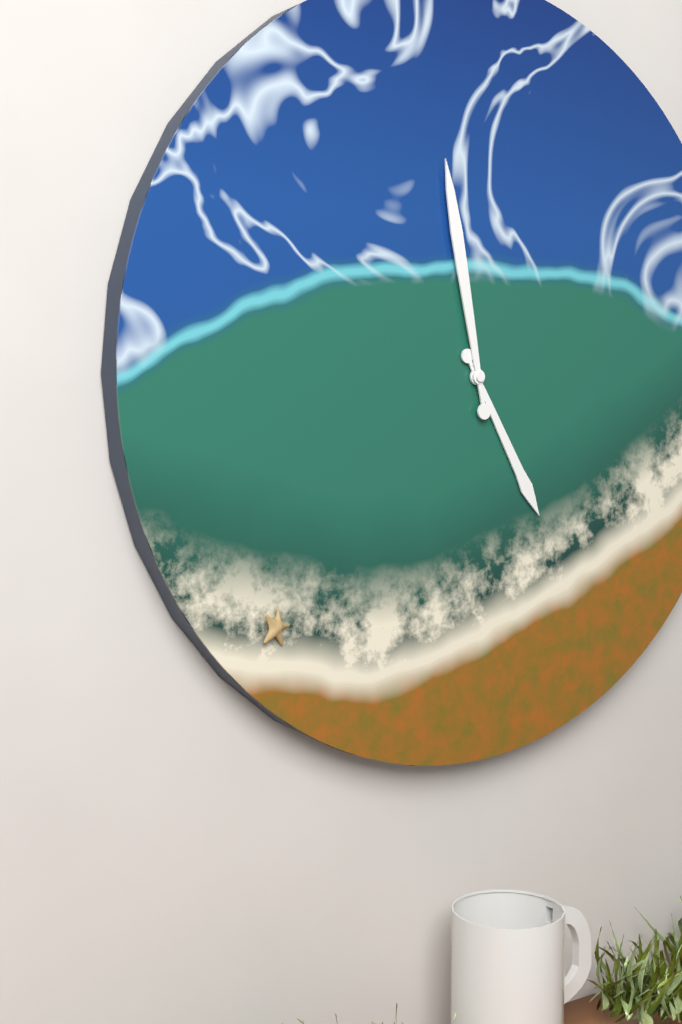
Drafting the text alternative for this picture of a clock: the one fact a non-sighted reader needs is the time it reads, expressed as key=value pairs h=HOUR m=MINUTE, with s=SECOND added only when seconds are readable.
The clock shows h=4 m=58
